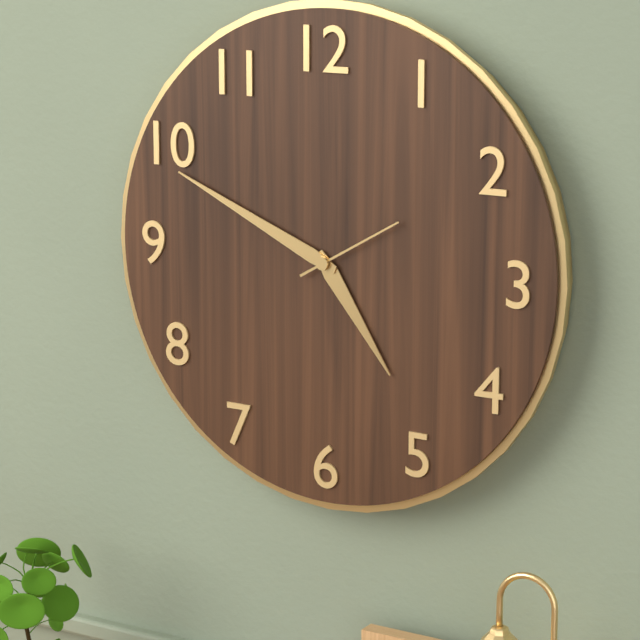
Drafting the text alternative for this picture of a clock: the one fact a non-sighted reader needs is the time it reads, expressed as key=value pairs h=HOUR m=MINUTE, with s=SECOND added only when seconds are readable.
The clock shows h=4 m=49 s=10
